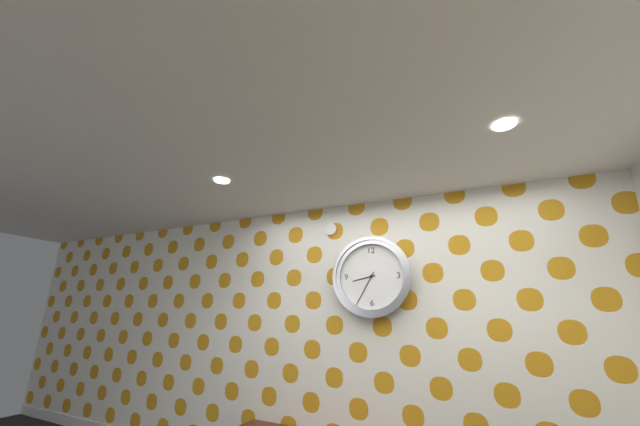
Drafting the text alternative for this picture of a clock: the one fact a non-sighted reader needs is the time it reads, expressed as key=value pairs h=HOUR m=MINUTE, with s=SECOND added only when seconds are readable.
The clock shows h=8 m=35
